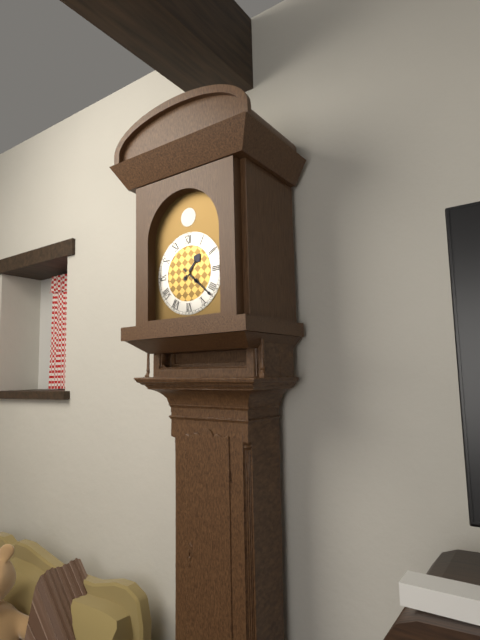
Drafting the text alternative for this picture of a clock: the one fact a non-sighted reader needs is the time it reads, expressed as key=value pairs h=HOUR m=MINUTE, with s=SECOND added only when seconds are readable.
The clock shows h=1 m=22
